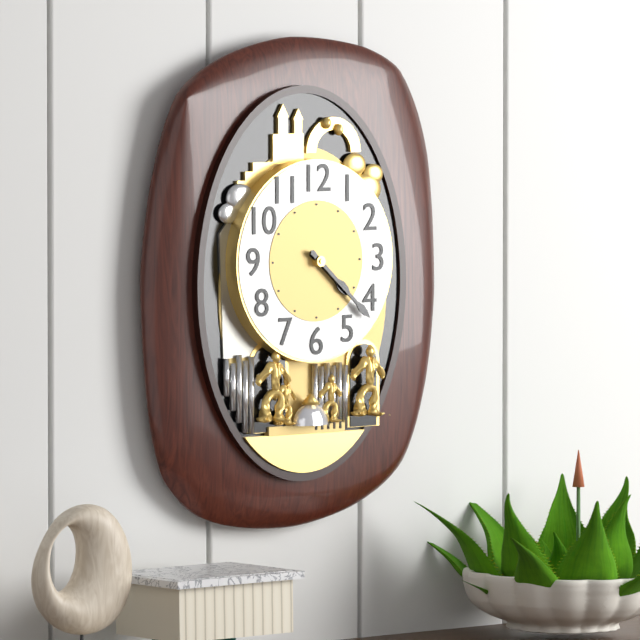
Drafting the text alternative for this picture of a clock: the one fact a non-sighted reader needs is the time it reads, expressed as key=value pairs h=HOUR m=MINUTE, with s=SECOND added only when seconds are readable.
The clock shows h=4 m=22
